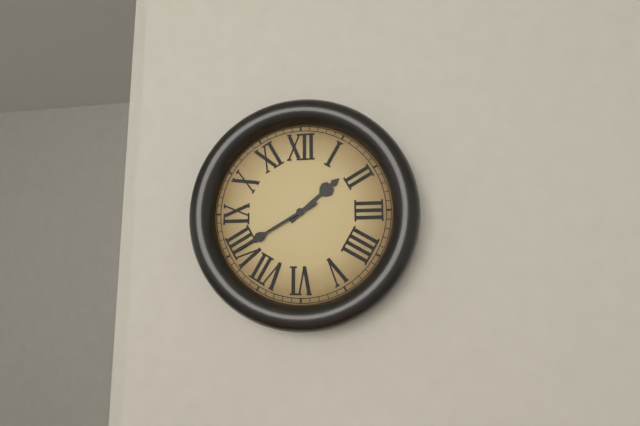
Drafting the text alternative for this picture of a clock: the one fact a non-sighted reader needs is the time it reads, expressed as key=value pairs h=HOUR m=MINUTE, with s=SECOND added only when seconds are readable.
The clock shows h=1 m=40
